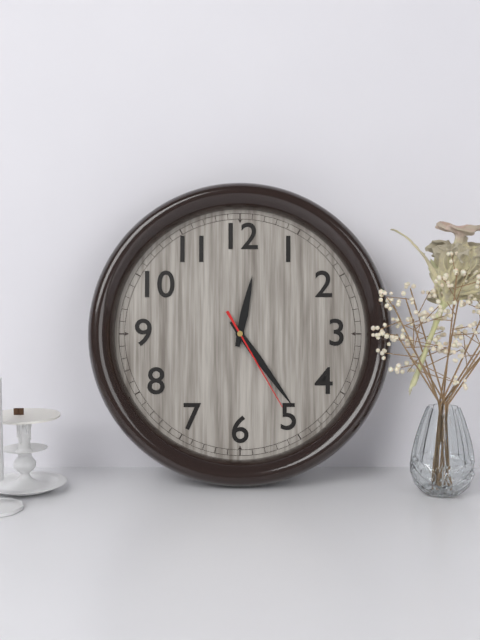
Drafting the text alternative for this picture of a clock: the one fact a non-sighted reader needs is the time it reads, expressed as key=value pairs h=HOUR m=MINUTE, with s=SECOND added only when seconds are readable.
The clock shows h=12 m=24 s=25
